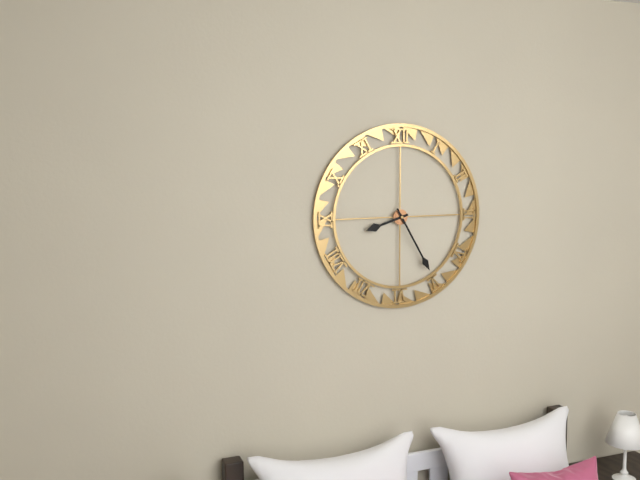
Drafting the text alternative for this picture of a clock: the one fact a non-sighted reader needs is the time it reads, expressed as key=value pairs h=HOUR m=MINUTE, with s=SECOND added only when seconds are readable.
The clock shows h=8 m=25
